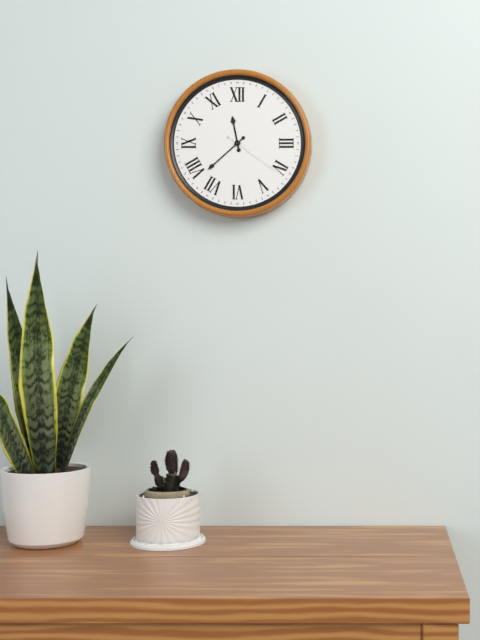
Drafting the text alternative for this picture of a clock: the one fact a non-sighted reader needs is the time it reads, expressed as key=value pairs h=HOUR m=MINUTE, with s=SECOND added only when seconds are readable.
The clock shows h=11 m=38 s=21
